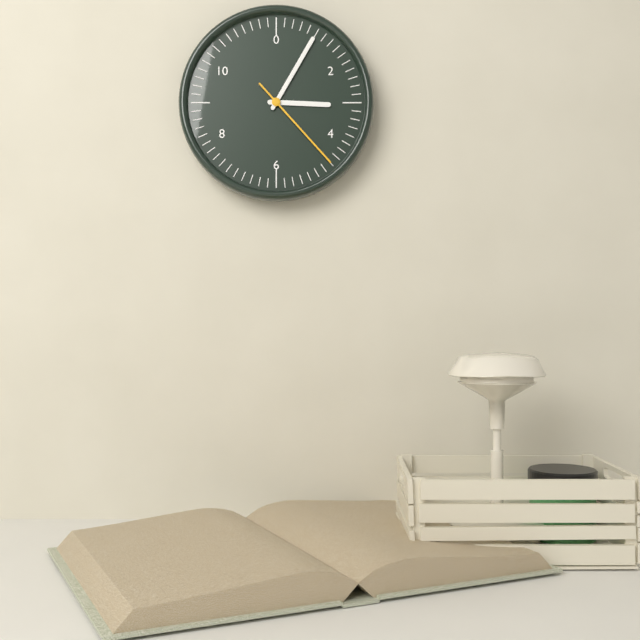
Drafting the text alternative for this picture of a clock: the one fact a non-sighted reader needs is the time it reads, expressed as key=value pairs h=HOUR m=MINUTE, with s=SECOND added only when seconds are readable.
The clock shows h=3 m=5 s=23
